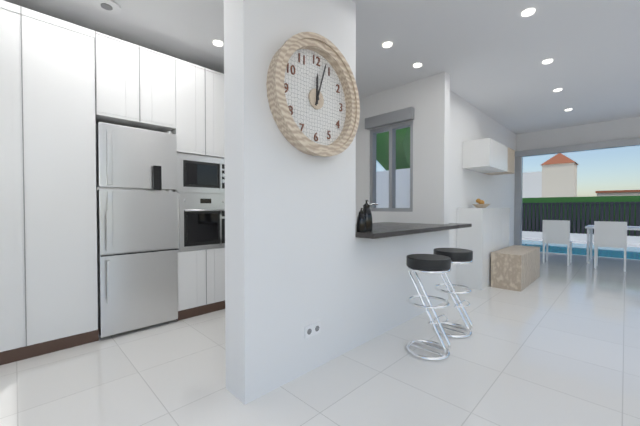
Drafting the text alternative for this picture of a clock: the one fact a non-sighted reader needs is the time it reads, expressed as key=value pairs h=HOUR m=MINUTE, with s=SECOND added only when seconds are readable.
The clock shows h=12 m=3
